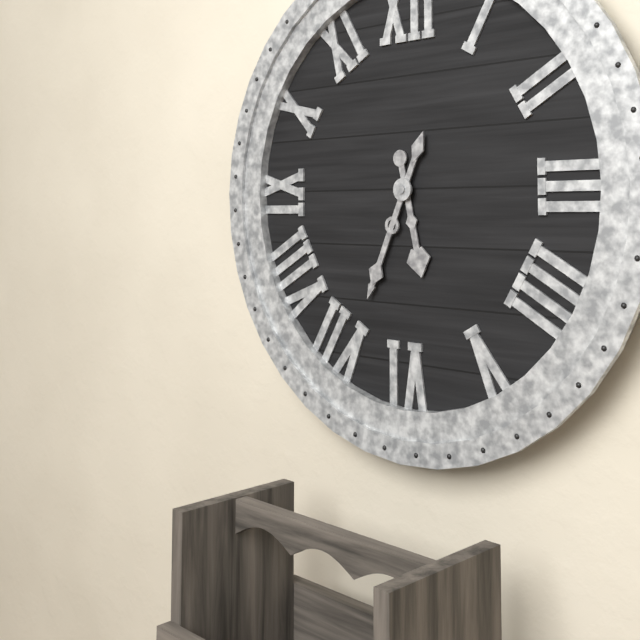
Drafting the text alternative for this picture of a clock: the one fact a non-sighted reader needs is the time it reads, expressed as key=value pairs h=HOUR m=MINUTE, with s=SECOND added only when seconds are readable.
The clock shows h=5 m=34
